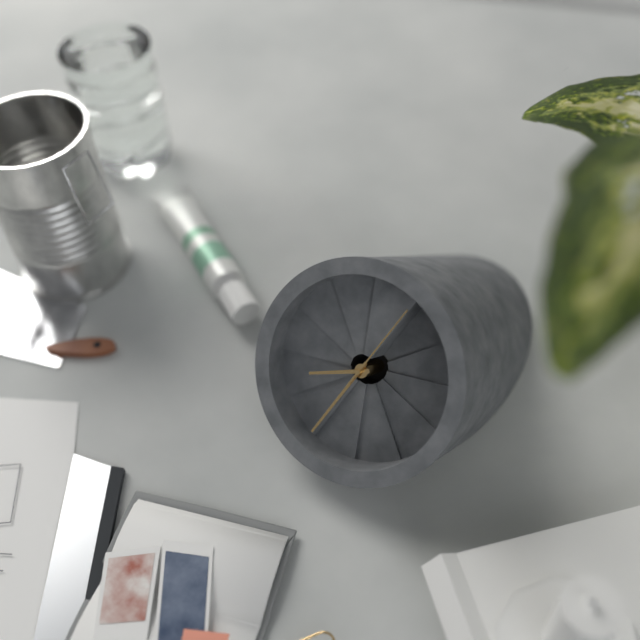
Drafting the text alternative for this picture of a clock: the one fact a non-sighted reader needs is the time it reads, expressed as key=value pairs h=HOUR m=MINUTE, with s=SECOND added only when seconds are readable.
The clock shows h=7 m=30 s=0
